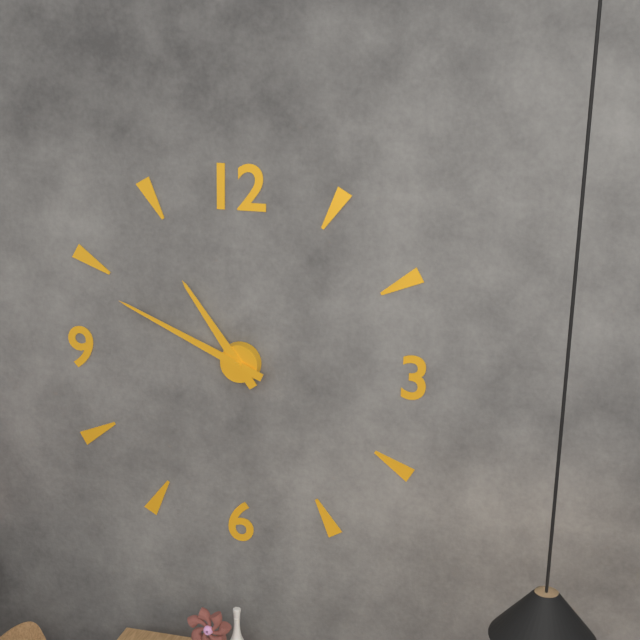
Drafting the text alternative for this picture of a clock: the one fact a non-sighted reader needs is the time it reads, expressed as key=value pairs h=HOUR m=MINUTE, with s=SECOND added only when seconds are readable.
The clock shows h=10 m=49
